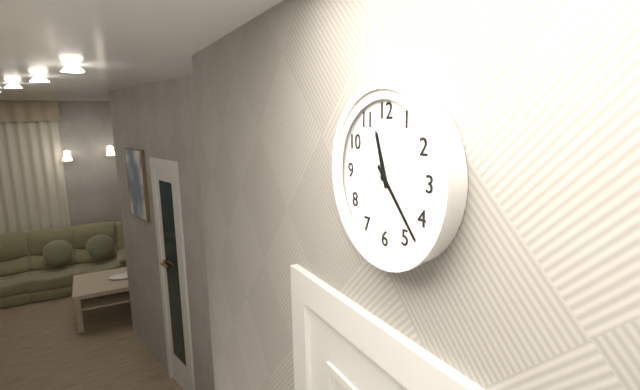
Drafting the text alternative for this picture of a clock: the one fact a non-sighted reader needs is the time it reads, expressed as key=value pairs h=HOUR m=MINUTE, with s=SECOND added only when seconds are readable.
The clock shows h=11 m=23
